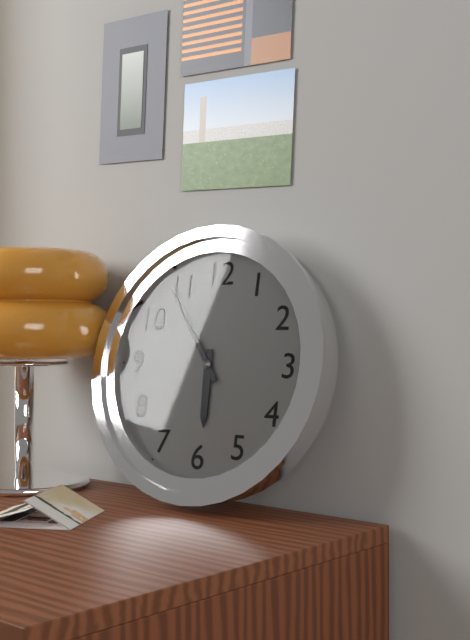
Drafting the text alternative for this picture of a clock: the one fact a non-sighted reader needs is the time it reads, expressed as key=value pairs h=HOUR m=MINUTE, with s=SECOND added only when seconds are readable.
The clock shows h=5 m=54
